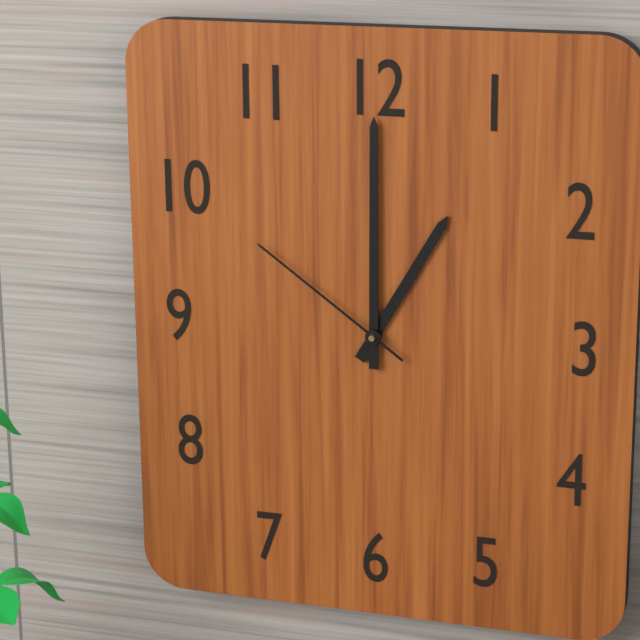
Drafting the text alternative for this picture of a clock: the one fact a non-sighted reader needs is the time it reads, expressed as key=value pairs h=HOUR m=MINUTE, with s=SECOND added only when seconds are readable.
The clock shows h=1 m=0 s=51
